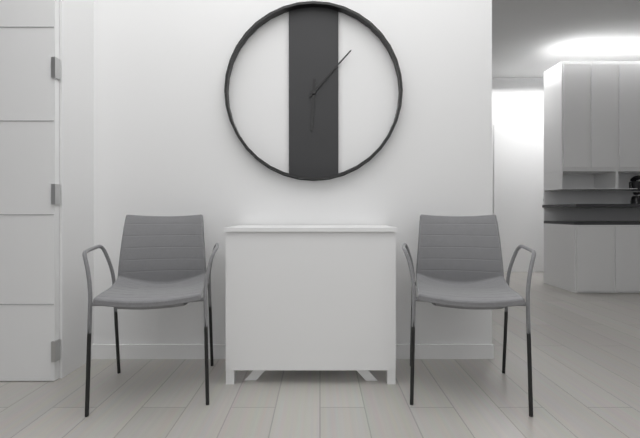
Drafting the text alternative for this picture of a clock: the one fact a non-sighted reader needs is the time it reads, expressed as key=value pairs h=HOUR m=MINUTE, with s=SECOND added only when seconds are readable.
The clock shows h=6 m=7
